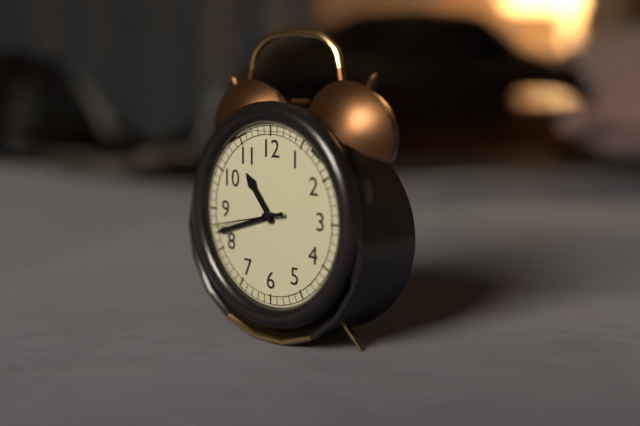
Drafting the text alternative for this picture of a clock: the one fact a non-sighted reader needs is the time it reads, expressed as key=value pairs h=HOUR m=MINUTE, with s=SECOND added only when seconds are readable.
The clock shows h=10 m=42 s=43
